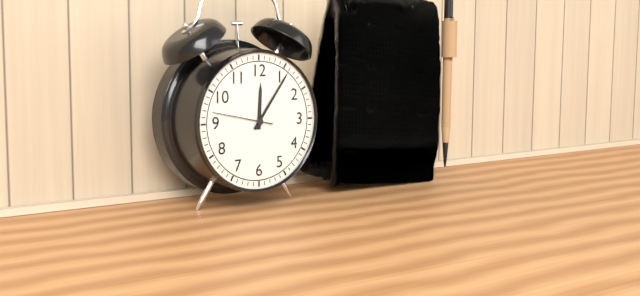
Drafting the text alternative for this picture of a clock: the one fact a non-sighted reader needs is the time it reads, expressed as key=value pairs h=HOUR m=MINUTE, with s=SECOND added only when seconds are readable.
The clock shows h=12 m=6 s=47
